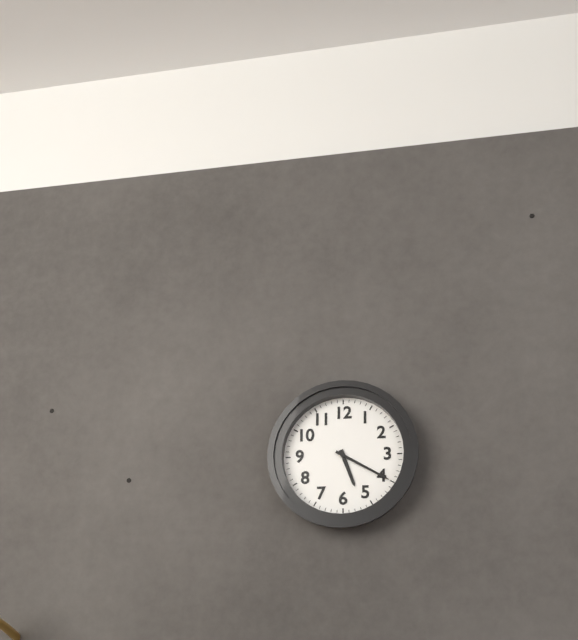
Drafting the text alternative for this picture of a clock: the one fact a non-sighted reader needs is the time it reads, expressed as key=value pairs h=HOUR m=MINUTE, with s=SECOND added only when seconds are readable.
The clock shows h=5 m=20
